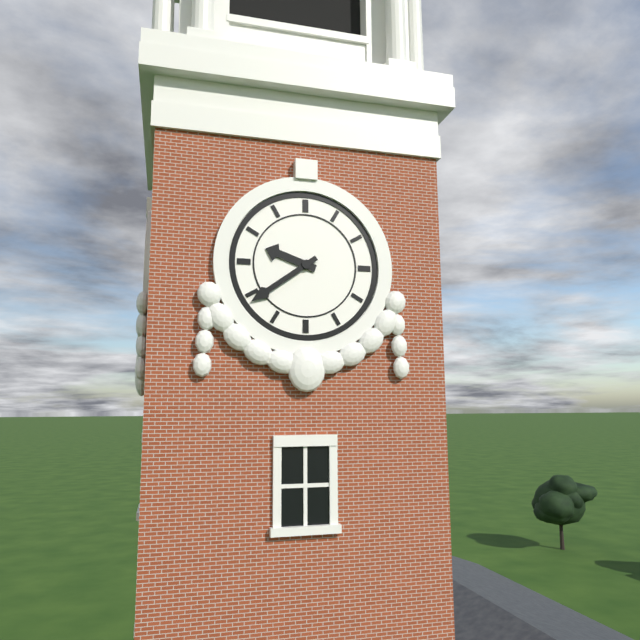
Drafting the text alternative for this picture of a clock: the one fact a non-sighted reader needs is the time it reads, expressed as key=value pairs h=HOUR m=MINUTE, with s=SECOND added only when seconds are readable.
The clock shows h=9 m=39
